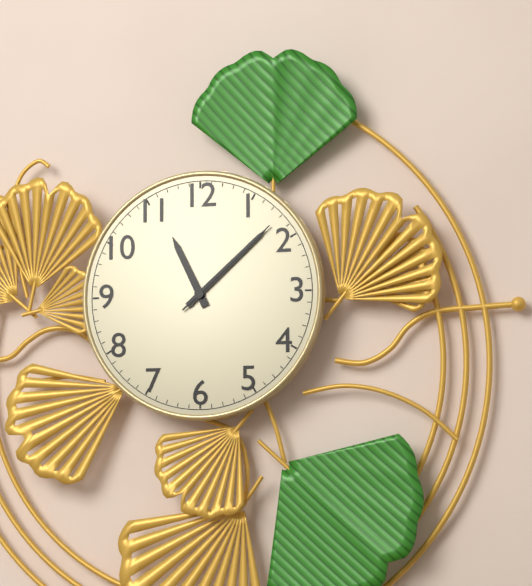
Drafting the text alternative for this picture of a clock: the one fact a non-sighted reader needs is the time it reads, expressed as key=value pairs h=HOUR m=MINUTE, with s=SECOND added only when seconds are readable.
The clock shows h=11 m=8 s=8
